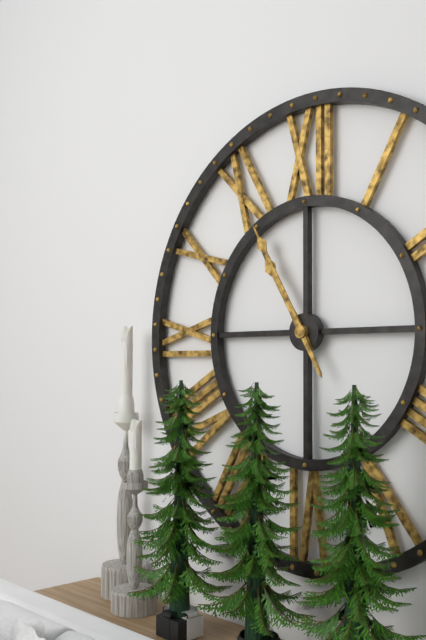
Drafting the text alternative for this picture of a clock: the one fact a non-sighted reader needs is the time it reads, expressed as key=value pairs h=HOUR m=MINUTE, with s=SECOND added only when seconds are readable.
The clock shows h=10 m=55
